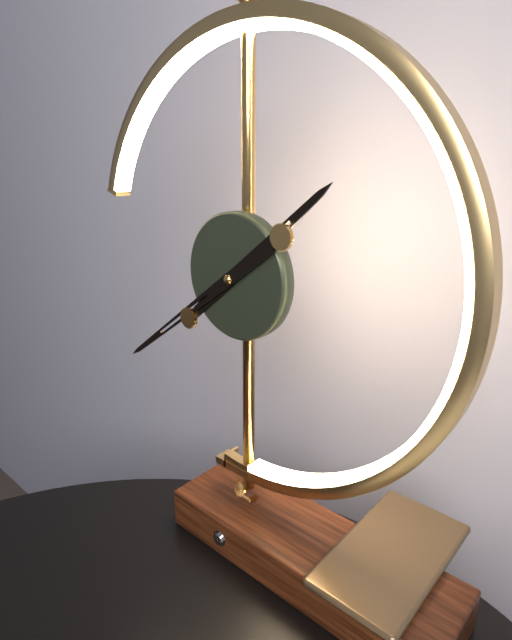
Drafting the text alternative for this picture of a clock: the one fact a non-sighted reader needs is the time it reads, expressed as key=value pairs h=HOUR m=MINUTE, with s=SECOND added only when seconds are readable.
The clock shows h=1 m=39
